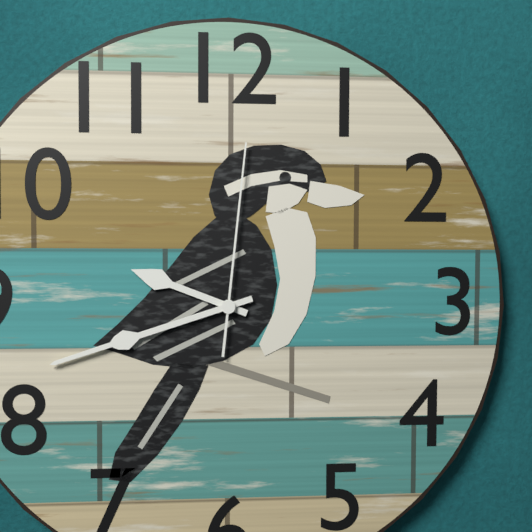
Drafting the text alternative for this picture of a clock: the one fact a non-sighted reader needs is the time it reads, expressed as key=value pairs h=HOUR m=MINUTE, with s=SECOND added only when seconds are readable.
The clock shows h=9 m=42 s=1
